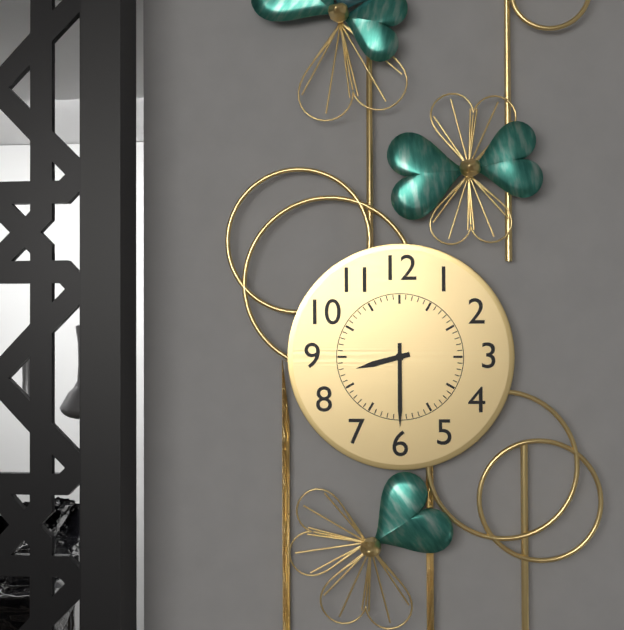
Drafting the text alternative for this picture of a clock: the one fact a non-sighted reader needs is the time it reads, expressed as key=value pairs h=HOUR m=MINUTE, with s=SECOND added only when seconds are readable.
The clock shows h=8 m=30
